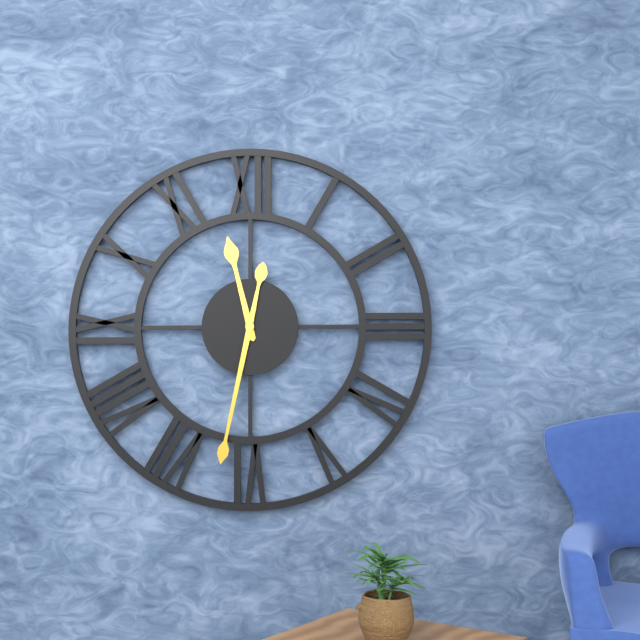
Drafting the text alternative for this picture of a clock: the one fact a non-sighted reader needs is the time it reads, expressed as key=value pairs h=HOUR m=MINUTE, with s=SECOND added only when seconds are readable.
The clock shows h=11 m=32
